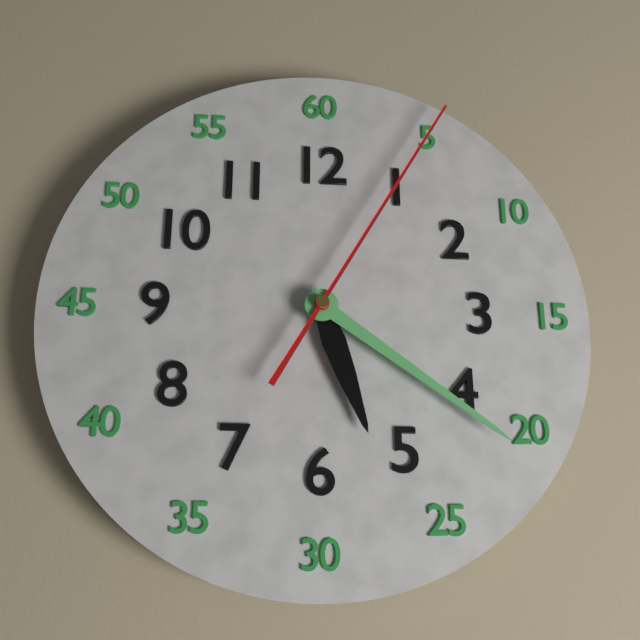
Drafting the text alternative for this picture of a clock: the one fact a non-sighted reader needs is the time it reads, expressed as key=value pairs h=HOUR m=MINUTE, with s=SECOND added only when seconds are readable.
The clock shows h=5 m=21 s=5
